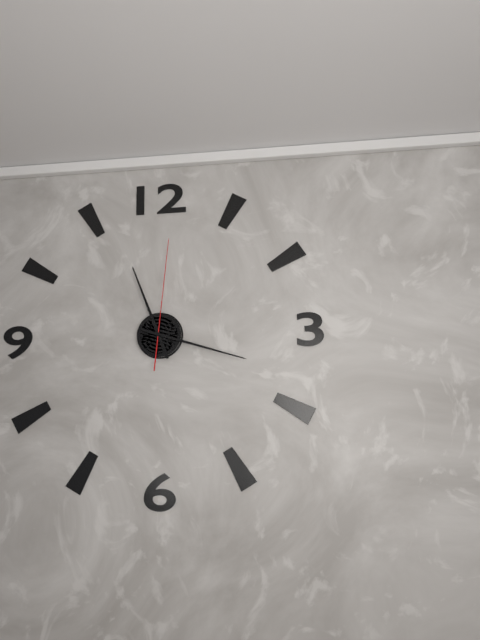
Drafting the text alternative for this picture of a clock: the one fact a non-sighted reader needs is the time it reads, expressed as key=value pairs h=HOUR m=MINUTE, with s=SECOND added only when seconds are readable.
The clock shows h=11 m=18 s=1
